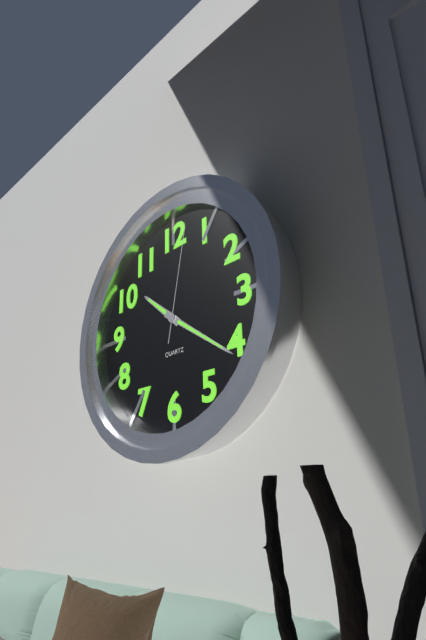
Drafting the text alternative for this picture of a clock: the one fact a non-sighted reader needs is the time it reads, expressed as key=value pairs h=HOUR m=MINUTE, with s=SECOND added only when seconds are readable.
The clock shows h=10 m=21 s=2
